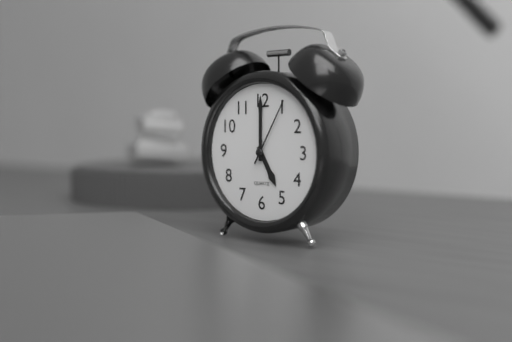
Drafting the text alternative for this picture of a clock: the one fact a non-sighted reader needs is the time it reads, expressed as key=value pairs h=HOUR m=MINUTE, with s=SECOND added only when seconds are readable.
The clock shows h=5 m=0 s=5
